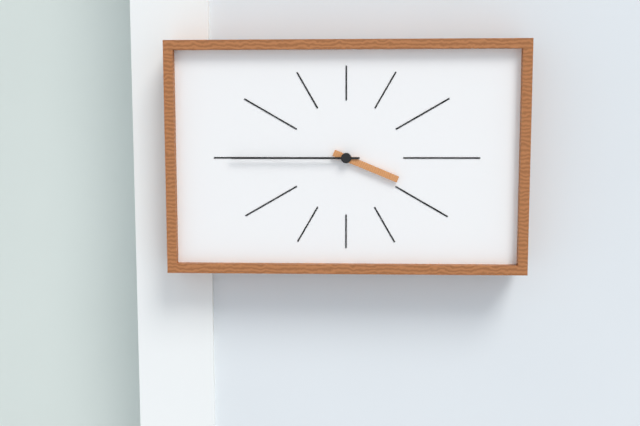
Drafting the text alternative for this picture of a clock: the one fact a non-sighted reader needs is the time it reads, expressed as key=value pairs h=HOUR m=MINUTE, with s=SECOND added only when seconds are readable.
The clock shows h=3 m=45
